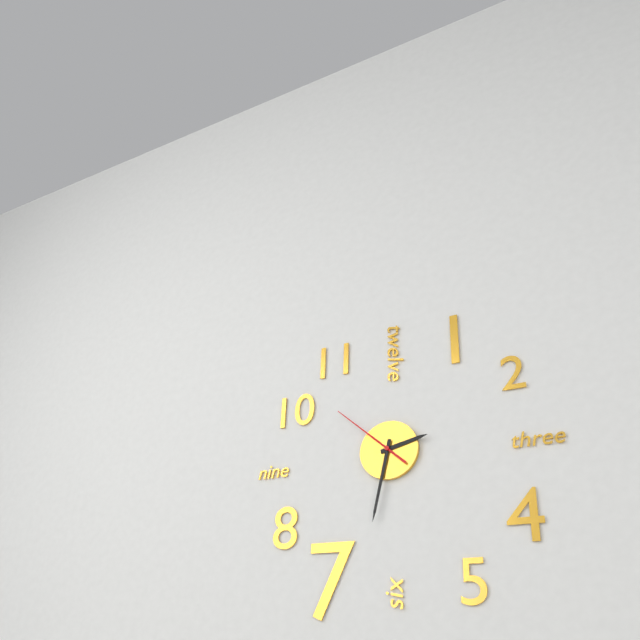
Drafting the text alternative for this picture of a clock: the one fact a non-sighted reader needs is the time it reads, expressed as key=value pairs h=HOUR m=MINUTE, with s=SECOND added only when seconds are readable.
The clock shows h=2 m=32 s=52
